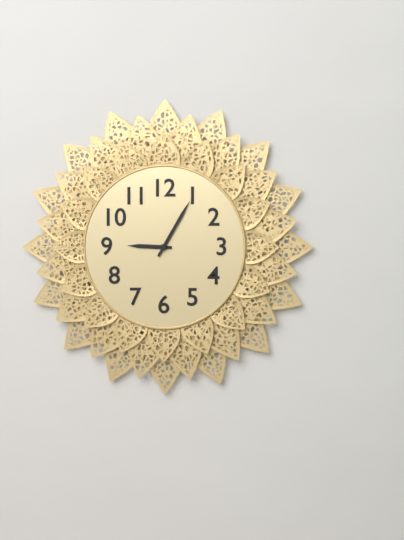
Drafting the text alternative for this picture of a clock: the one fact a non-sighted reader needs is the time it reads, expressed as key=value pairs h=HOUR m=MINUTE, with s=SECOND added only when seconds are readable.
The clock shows h=9 m=5
